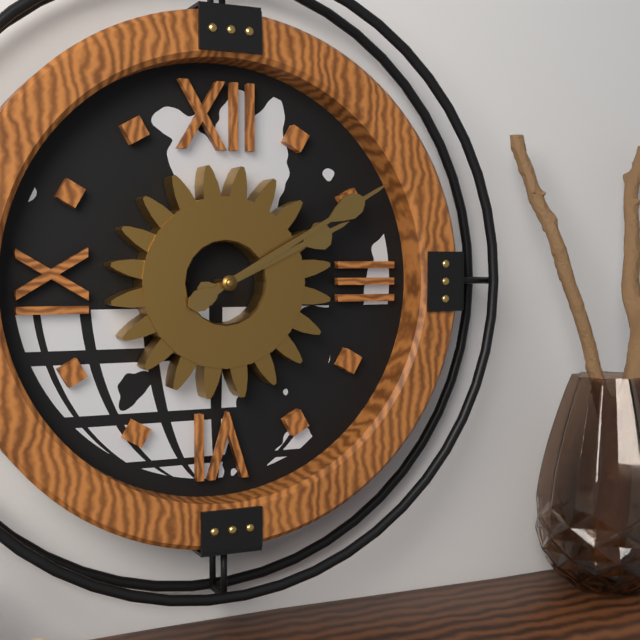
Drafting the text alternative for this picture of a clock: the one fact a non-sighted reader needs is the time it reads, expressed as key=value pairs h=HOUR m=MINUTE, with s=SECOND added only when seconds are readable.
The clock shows h=2 m=10
